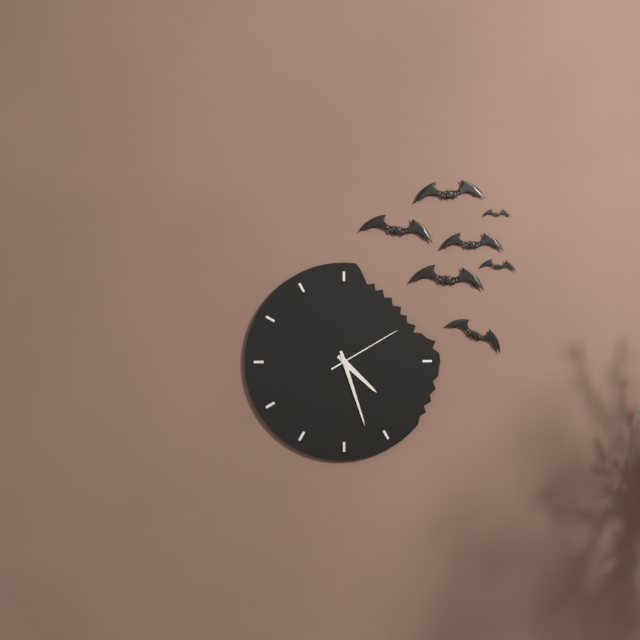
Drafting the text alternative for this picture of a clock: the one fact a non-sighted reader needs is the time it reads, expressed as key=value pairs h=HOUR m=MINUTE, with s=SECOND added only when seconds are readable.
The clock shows h=4 m=27 s=10
